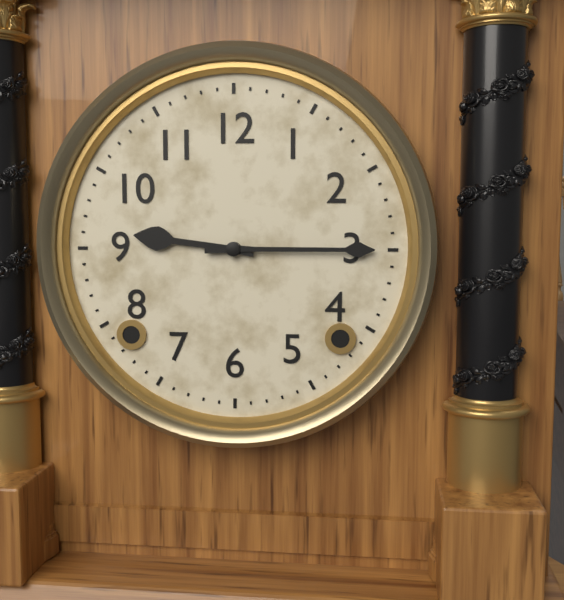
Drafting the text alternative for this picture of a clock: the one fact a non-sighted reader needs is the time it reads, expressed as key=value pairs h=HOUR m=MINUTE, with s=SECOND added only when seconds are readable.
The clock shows h=9 m=15
